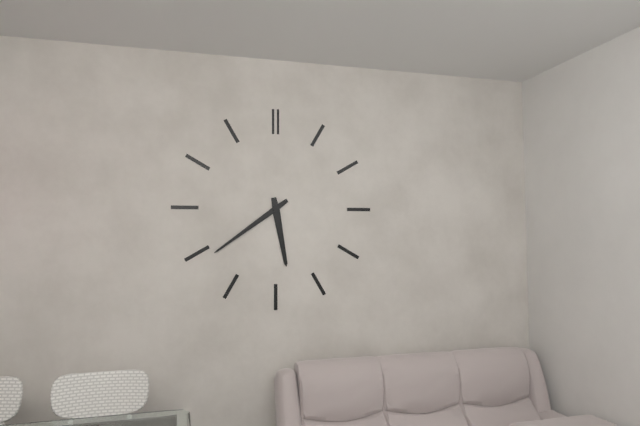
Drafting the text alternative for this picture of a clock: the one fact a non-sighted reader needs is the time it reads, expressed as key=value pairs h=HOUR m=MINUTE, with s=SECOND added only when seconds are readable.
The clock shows h=5 m=39
